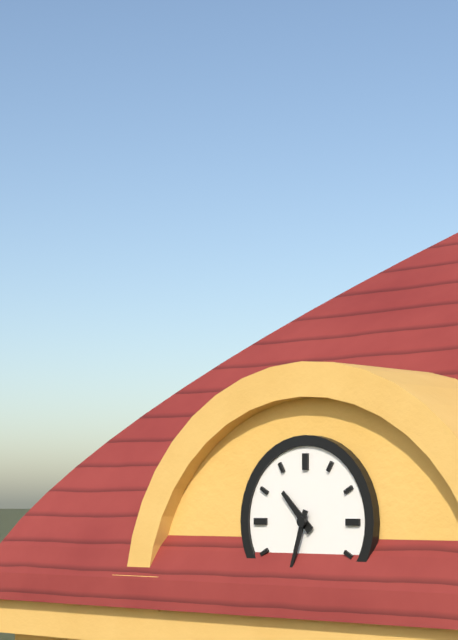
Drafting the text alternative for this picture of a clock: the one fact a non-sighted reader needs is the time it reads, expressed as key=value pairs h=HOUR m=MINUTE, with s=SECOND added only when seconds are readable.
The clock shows h=10 m=33
